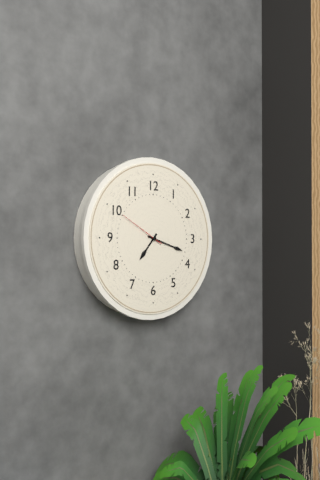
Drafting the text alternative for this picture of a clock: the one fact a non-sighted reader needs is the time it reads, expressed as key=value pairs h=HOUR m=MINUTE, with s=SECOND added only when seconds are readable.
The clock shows h=7 m=18
